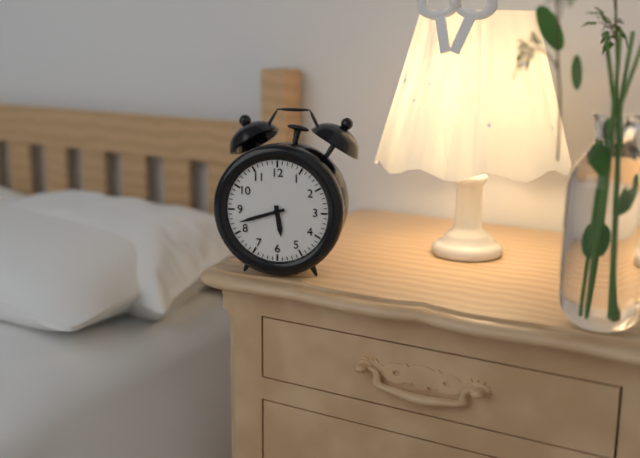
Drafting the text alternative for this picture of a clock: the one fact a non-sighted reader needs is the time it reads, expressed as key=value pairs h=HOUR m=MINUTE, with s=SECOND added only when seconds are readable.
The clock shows h=5 m=42
